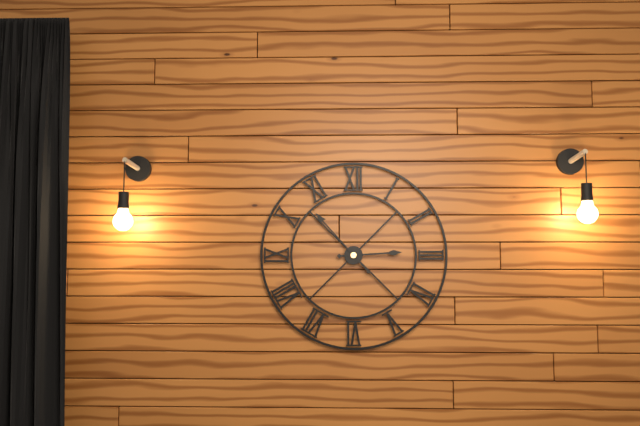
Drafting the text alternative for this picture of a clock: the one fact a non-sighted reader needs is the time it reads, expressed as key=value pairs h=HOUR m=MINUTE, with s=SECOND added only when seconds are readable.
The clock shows h=2 m=53
